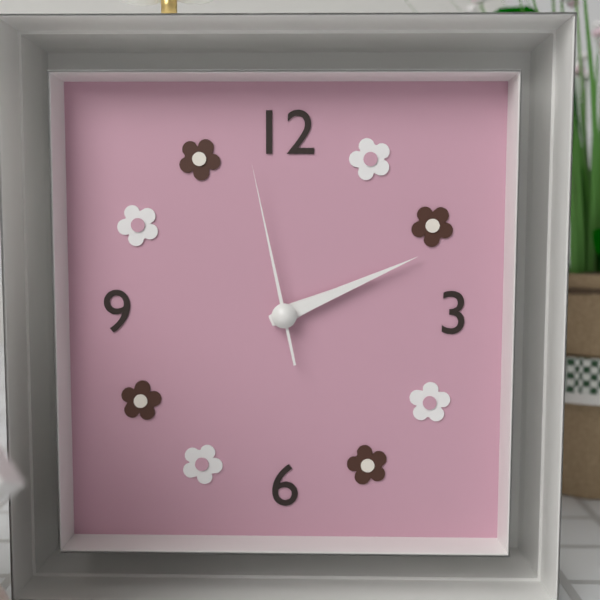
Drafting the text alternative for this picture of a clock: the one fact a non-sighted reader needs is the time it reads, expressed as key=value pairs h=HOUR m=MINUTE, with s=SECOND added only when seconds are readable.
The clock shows h=2 m=11 s=58
